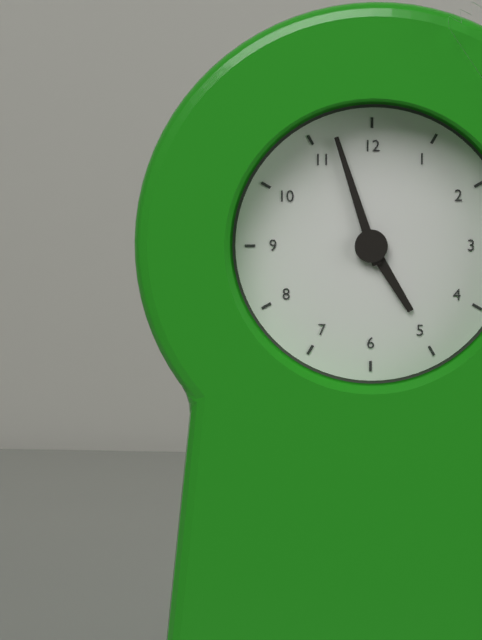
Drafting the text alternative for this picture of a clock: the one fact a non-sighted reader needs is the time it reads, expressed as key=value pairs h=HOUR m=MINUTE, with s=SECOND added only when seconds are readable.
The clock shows h=4 m=57
